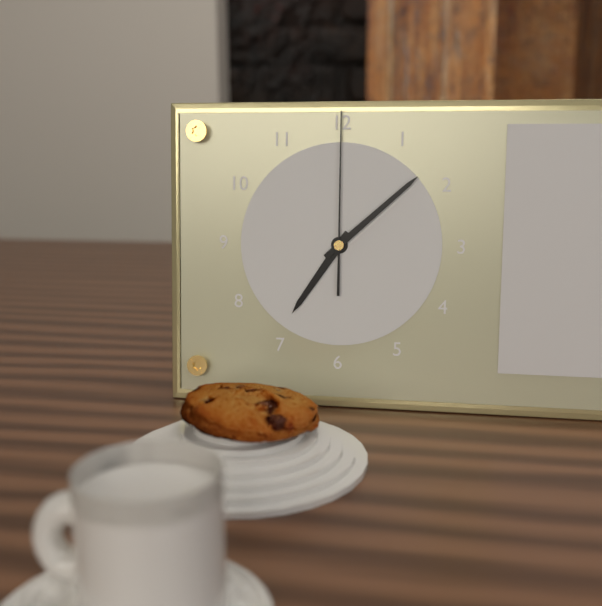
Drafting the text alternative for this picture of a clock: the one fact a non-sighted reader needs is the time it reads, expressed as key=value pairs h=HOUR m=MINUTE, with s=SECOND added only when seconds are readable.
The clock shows h=7 m=8 s=0
